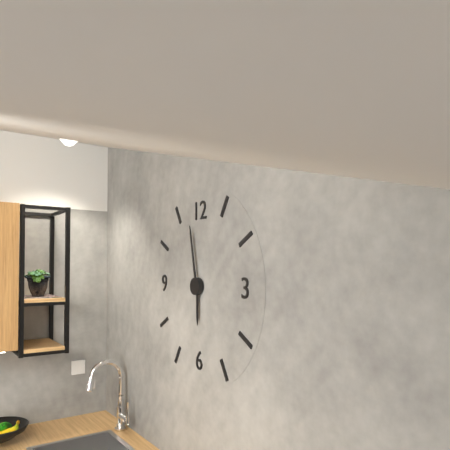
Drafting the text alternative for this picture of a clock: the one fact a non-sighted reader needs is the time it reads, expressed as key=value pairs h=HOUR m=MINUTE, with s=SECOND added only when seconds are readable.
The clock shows h=5 m=58
